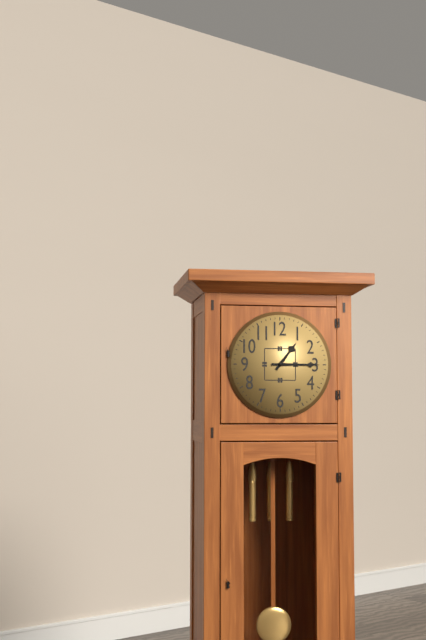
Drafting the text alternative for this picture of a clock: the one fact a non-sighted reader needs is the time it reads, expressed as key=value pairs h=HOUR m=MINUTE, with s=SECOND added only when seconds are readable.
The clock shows h=1 m=15
